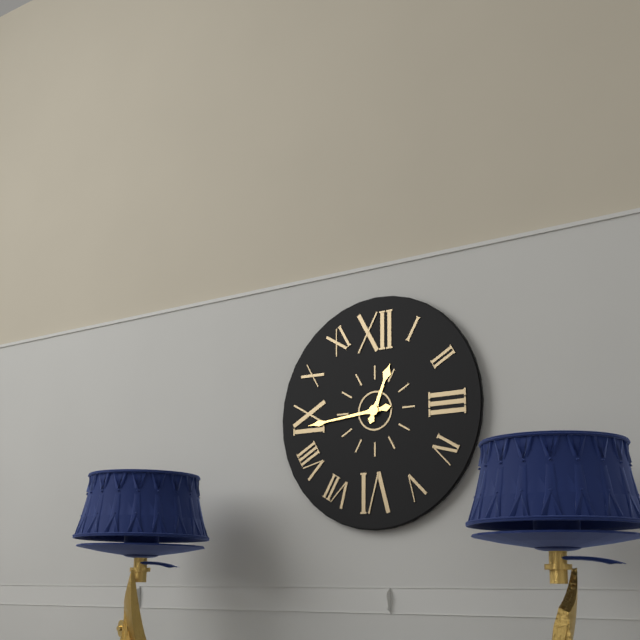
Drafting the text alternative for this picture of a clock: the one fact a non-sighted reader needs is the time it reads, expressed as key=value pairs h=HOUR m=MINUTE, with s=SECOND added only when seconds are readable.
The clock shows h=12 m=44
